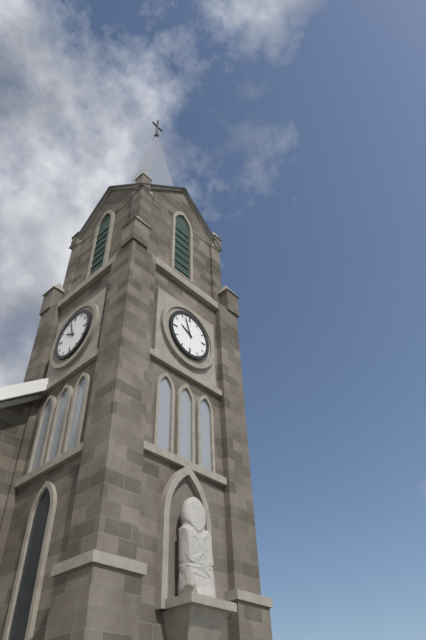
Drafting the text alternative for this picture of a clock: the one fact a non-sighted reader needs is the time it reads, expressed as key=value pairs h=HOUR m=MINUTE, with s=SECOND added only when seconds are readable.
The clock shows h=9 m=57
